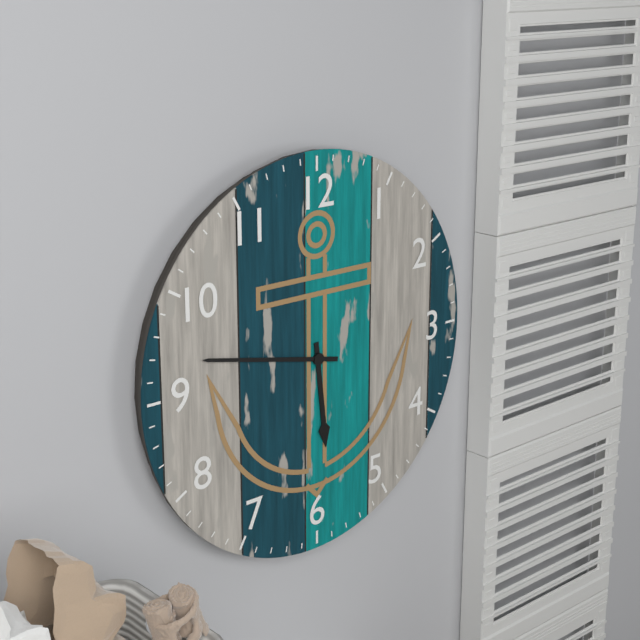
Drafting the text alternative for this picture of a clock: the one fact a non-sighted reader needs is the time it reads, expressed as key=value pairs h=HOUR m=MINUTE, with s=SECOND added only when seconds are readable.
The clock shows h=5 m=47
